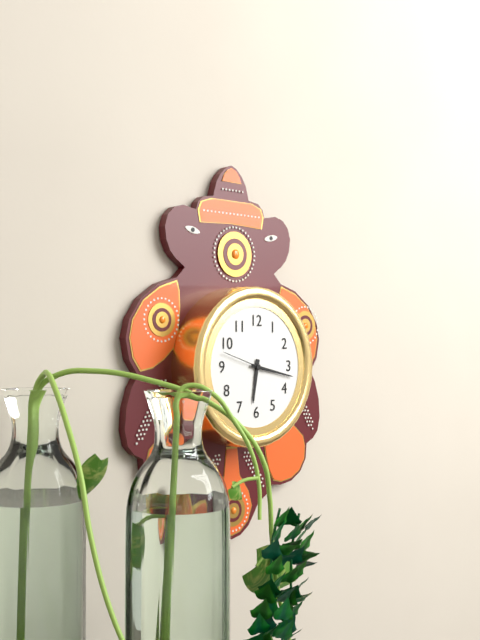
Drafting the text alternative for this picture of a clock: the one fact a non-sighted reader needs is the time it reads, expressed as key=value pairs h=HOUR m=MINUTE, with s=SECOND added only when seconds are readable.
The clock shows h=6 m=17
